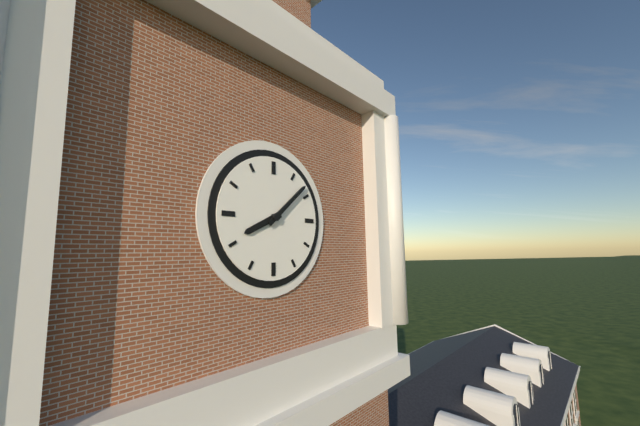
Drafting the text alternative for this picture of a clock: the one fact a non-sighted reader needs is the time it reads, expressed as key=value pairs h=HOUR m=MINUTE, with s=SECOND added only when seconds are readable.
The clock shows h=8 m=8
